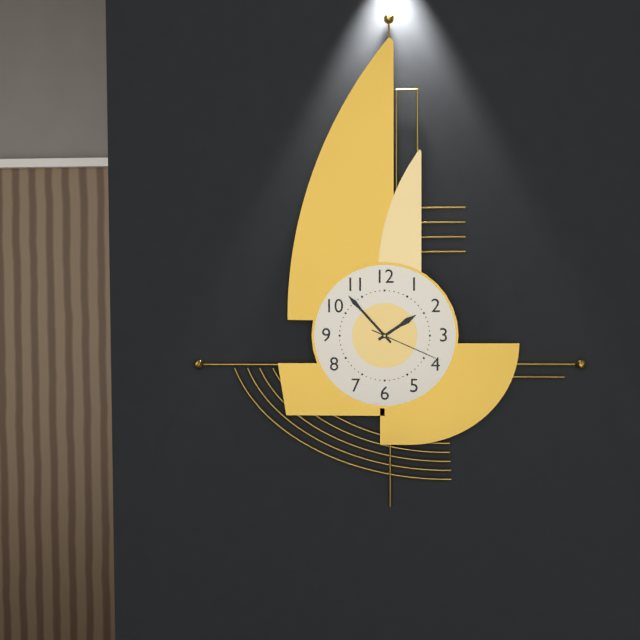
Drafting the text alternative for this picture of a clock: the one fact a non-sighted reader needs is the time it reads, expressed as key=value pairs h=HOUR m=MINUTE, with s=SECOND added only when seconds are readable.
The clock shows h=1 m=53 s=19
